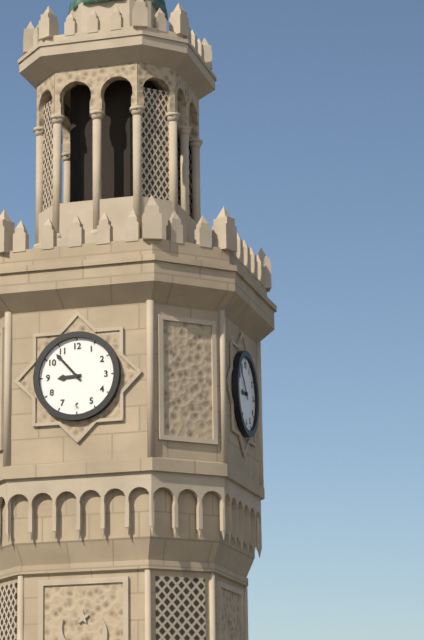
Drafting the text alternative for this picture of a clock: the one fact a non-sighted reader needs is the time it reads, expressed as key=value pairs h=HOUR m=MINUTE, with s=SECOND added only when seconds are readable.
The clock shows h=8 m=53
